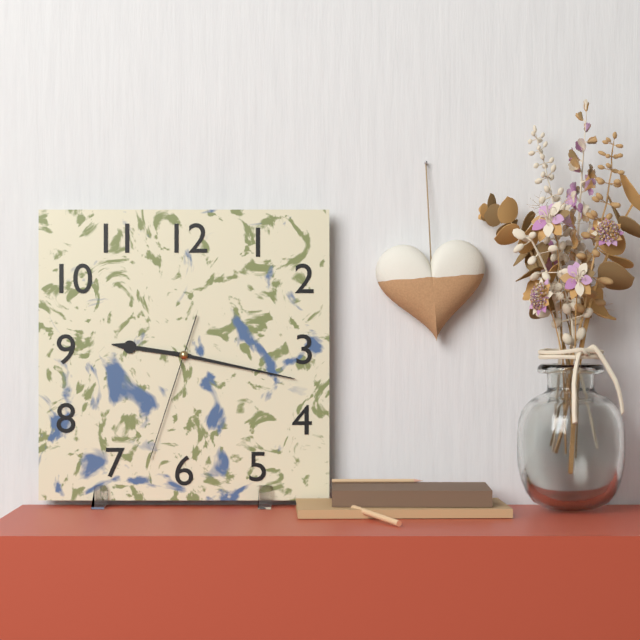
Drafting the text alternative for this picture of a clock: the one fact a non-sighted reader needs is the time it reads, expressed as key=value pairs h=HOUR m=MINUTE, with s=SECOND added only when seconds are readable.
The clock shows h=9 m=17 s=33
